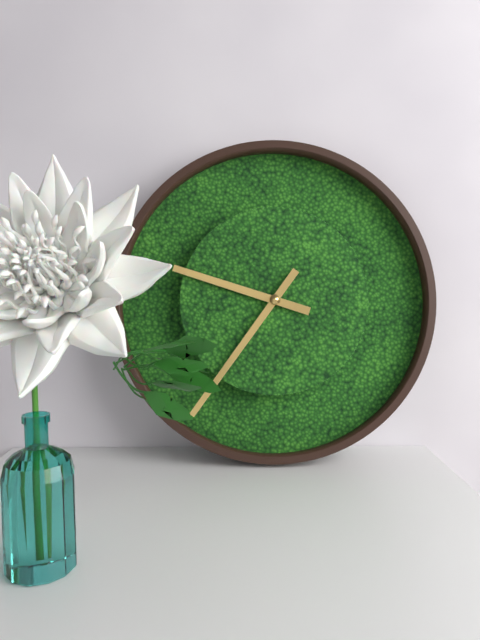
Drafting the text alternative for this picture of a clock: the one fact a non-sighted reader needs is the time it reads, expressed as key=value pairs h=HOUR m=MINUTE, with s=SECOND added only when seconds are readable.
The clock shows h=9 m=36
